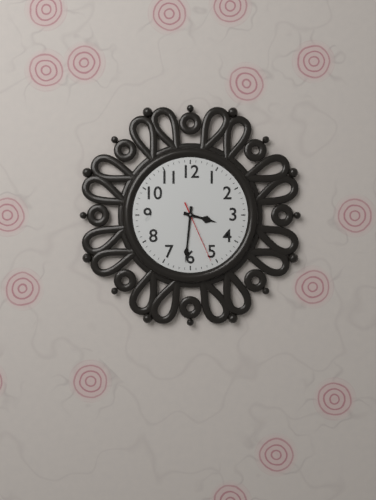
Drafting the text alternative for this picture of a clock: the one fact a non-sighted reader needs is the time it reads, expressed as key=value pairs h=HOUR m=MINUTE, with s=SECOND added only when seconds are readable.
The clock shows h=3 m=31 s=26
